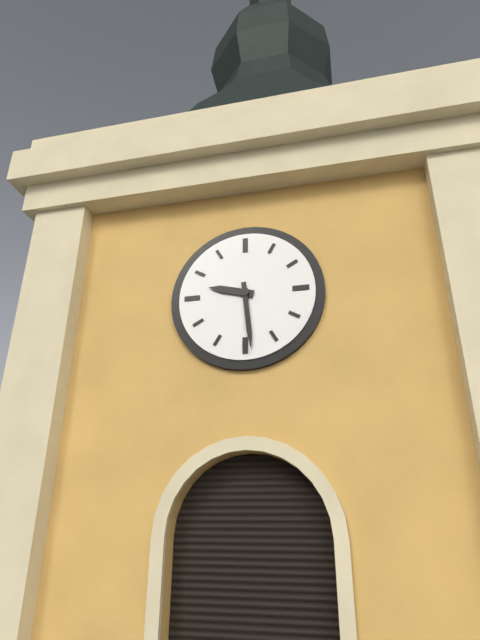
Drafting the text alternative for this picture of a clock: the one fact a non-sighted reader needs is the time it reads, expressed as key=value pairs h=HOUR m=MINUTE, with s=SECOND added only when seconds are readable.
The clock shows h=9 m=29
